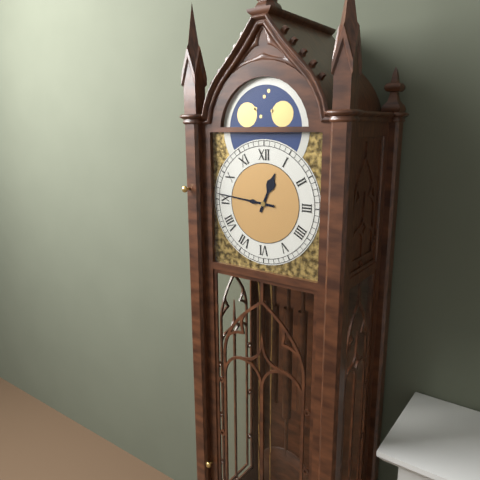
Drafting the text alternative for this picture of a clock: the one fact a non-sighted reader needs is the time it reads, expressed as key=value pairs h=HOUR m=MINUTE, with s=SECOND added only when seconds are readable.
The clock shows h=12 m=46
